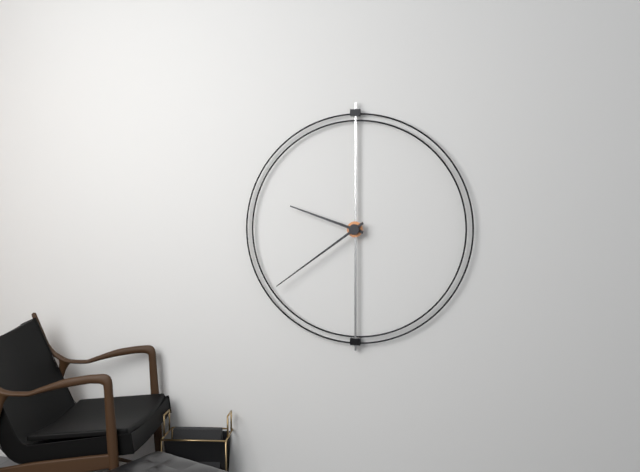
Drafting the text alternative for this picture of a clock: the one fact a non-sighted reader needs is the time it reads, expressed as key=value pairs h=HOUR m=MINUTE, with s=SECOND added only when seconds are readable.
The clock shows h=9 m=39
